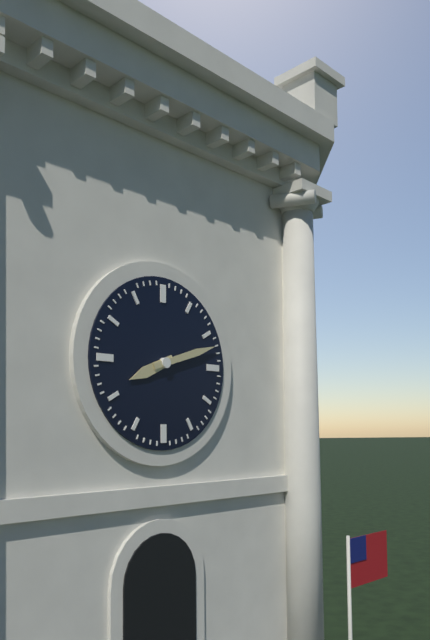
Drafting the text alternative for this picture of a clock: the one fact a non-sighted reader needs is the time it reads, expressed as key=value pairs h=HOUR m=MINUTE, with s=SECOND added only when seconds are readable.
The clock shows h=8 m=12
